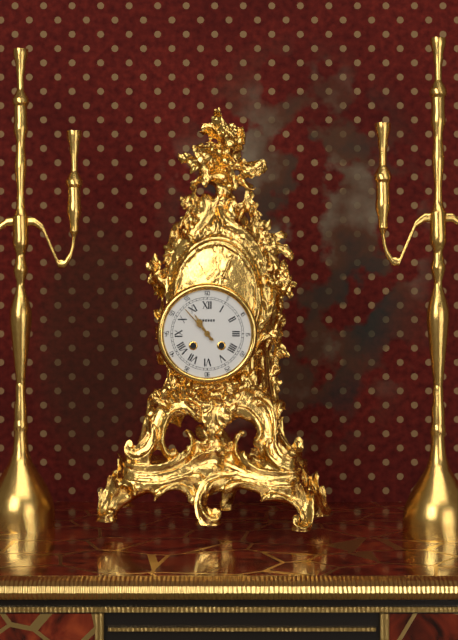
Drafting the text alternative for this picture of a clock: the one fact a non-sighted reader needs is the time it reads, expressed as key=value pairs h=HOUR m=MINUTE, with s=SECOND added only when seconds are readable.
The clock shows h=10 m=53
